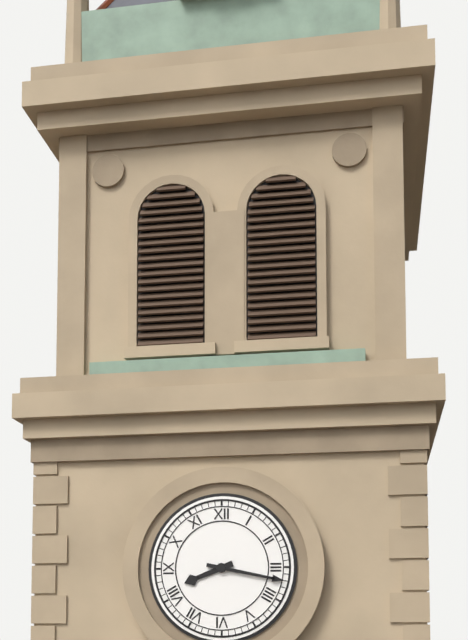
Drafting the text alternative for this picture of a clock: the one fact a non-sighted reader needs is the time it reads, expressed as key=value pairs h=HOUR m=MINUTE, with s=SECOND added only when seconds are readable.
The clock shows h=8 m=17
